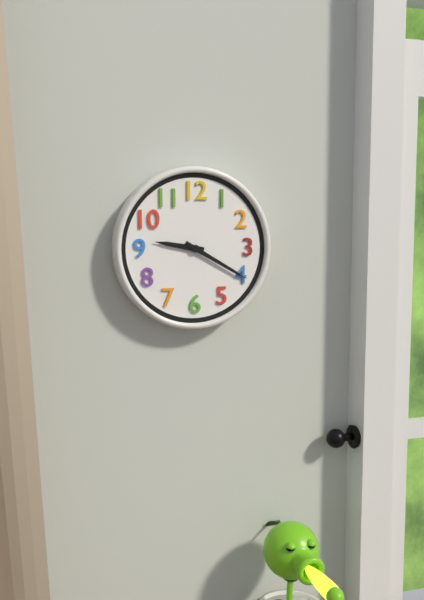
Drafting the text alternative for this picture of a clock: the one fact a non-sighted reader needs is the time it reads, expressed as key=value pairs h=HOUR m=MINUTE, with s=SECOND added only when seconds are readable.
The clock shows h=9 m=20
